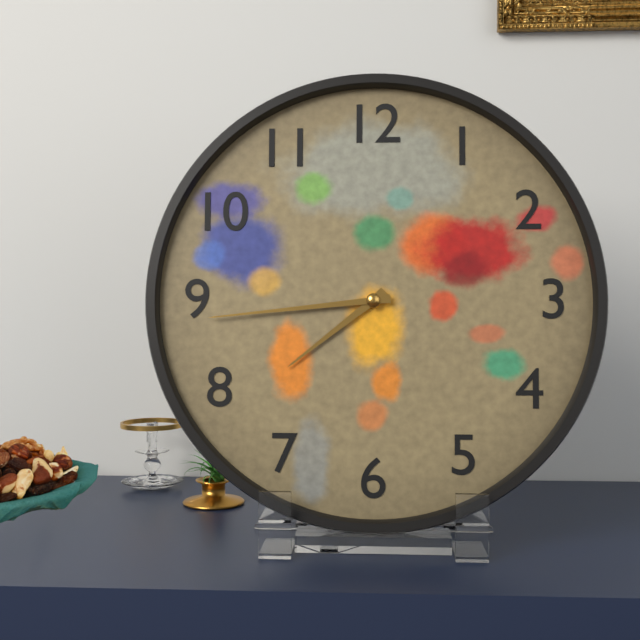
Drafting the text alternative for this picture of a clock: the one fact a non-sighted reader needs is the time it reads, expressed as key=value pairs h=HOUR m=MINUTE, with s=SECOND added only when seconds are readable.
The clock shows h=7 m=44
